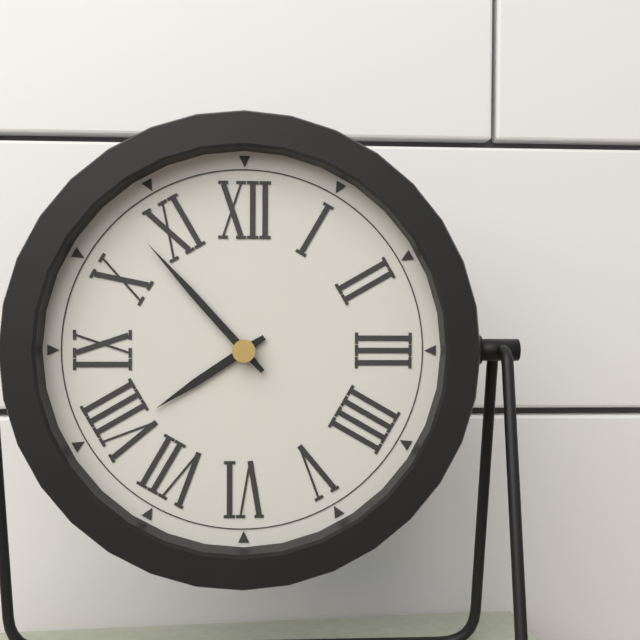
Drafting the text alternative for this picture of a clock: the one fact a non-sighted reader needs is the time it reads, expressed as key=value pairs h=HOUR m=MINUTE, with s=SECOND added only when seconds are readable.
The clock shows h=7 m=53
